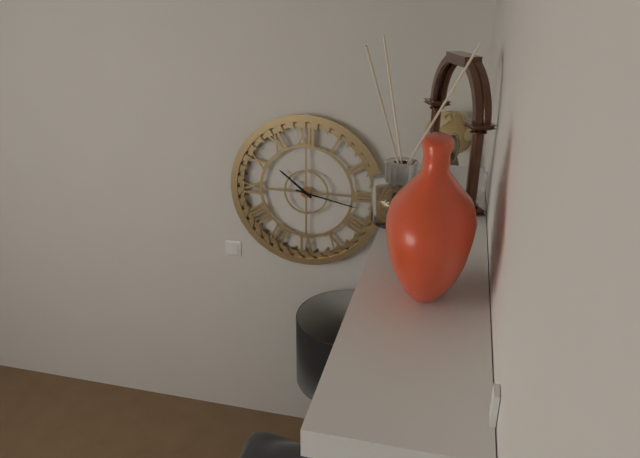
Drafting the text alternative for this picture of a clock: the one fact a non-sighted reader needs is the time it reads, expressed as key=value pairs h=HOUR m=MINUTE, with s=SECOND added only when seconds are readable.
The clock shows h=10 m=17
